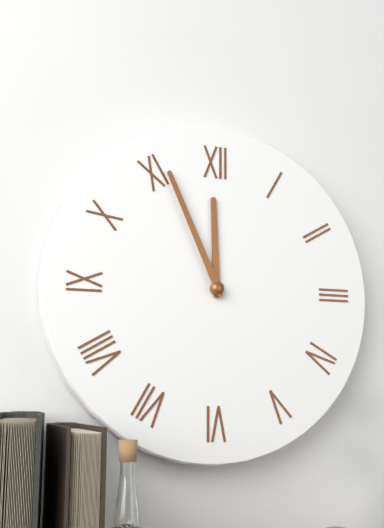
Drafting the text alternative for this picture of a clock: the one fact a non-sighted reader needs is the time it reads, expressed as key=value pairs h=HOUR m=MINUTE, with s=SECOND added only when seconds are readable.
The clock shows h=11 m=56
